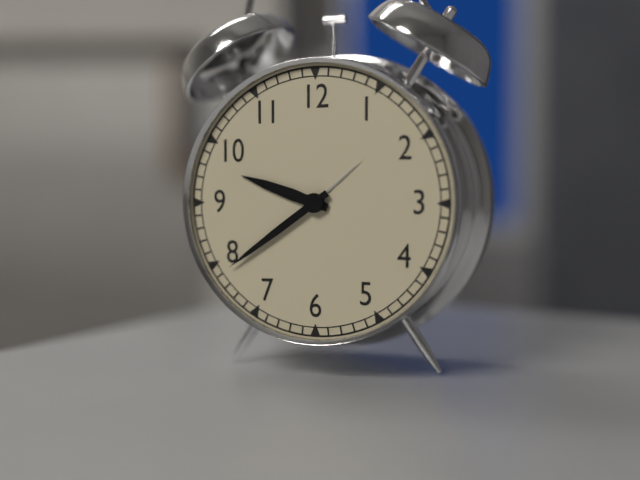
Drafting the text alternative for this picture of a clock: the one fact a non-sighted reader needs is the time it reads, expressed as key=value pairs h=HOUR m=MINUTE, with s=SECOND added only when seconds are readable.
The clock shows h=9 m=39
